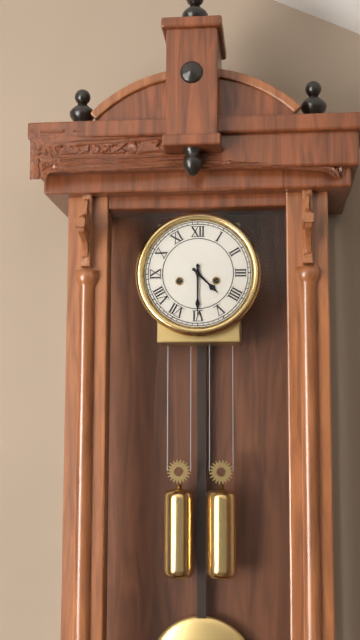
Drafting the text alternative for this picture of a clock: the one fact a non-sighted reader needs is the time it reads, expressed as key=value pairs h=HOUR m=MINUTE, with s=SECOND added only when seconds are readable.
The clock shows h=4 m=30
